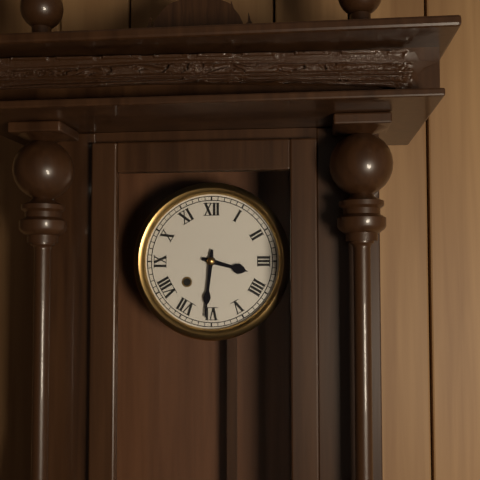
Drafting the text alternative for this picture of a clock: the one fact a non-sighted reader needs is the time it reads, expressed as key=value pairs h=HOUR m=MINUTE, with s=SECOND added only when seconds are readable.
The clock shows h=3 m=31
